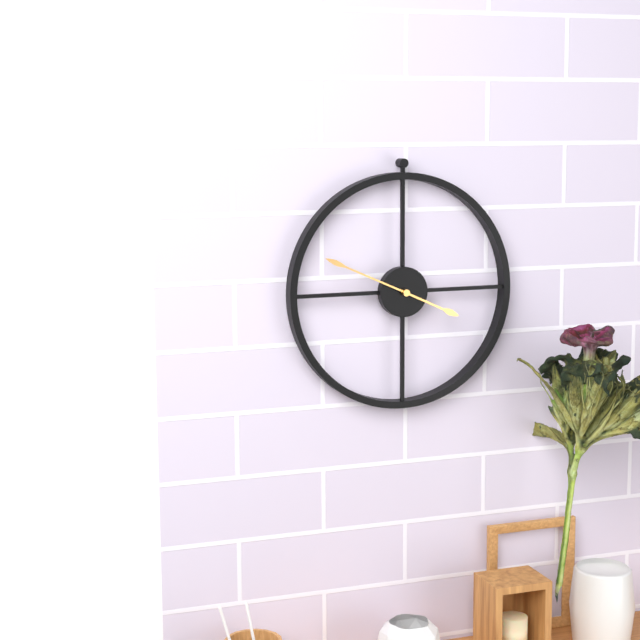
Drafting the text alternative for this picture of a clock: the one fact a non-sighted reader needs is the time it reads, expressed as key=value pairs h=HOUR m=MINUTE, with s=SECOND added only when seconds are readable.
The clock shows h=3 m=49
